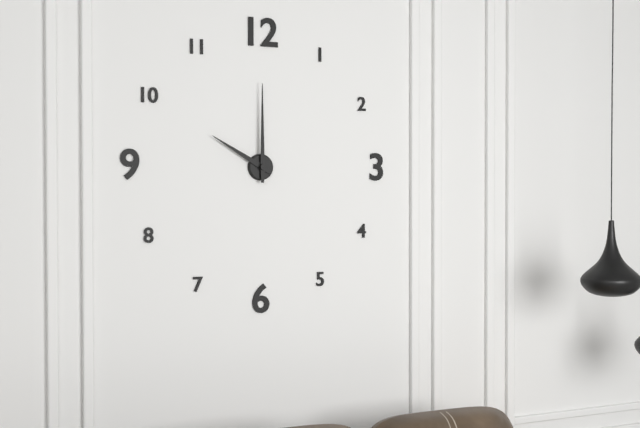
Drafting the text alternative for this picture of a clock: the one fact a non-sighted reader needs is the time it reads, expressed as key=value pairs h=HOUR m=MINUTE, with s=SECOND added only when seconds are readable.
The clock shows h=10 m=0
